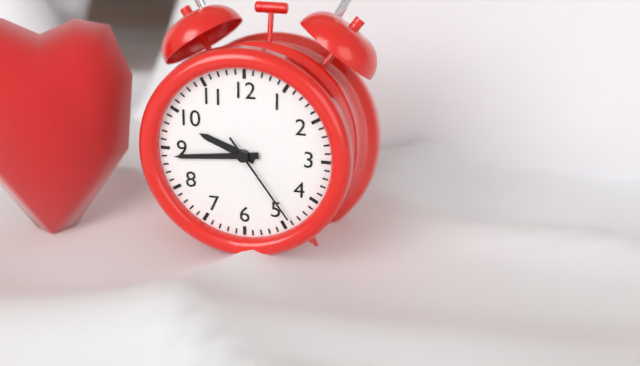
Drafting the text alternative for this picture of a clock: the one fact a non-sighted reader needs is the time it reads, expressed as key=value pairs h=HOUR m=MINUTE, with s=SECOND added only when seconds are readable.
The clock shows h=9 m=44 s=24
